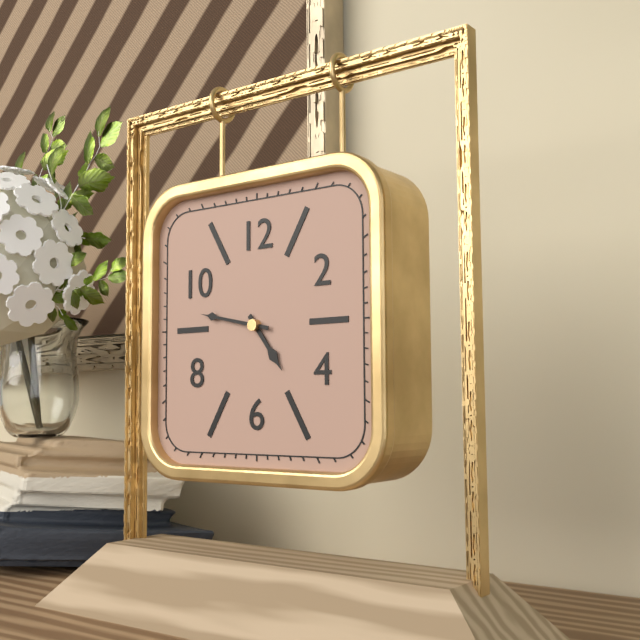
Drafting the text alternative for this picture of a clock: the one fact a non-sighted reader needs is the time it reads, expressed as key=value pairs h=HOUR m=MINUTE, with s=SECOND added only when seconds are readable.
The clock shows h=4 m=47
